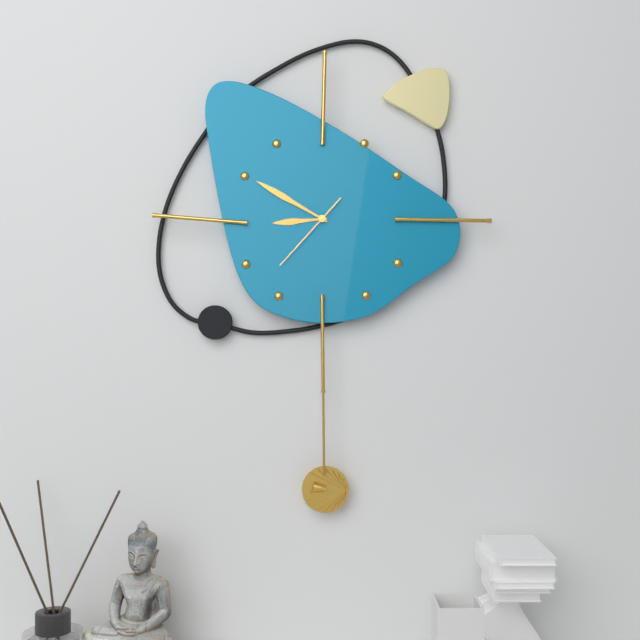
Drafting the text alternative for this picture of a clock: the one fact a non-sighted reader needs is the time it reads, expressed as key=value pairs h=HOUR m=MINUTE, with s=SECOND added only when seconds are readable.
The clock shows h=8 m=50 s=37
